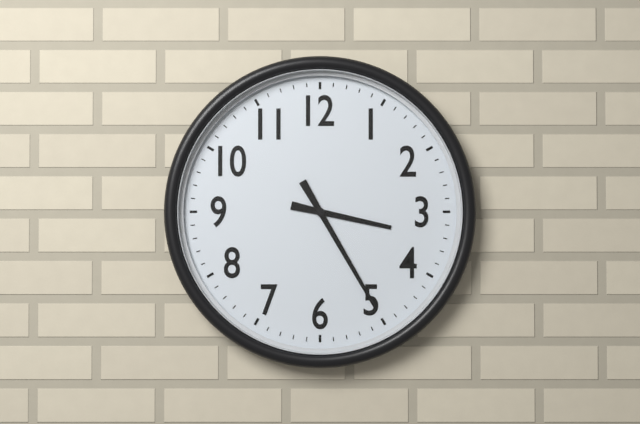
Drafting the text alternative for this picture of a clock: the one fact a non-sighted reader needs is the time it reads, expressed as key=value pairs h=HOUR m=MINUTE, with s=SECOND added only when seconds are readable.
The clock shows h=3 m=25
